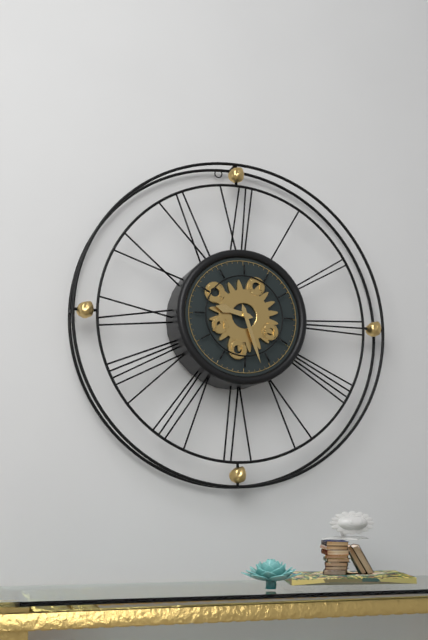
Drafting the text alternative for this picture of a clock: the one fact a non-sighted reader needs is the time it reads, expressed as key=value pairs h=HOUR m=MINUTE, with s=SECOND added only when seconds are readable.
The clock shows h=9 m=27
